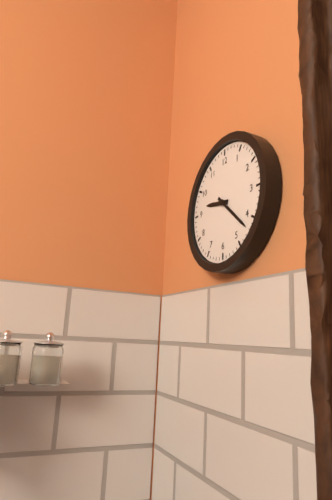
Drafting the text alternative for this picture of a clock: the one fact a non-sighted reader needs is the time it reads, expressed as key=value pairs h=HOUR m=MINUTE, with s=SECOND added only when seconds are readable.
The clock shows h=9 m=22
